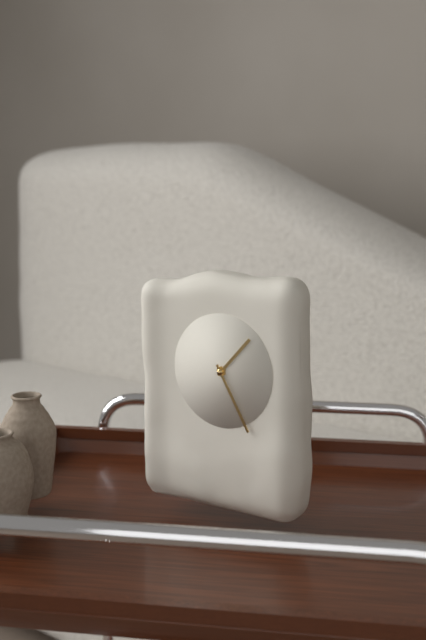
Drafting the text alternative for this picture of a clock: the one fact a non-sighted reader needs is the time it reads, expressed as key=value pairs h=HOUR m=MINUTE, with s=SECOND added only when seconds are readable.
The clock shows h=1 m=25
